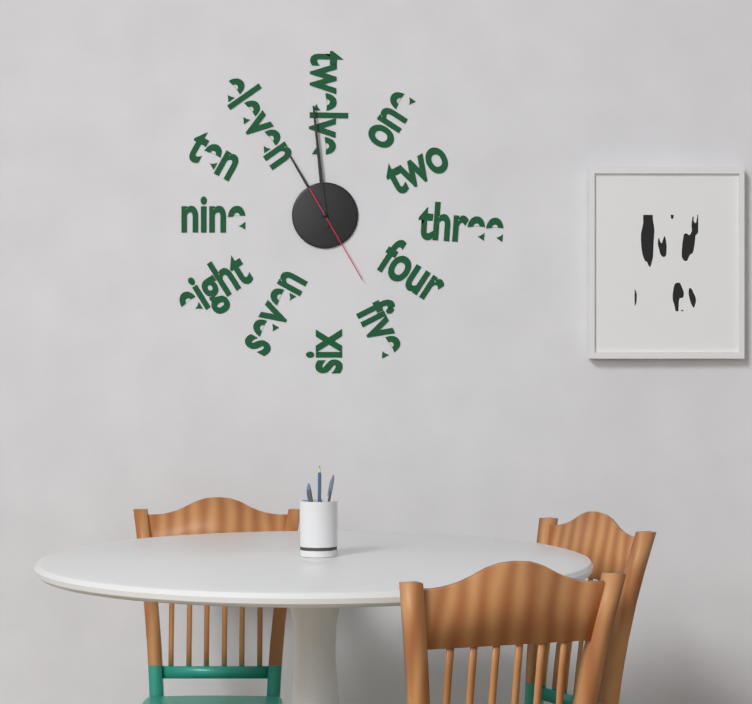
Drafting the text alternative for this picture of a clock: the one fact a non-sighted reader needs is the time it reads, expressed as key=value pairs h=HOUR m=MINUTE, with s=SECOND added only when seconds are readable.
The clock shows h=10 m=59 s=25
